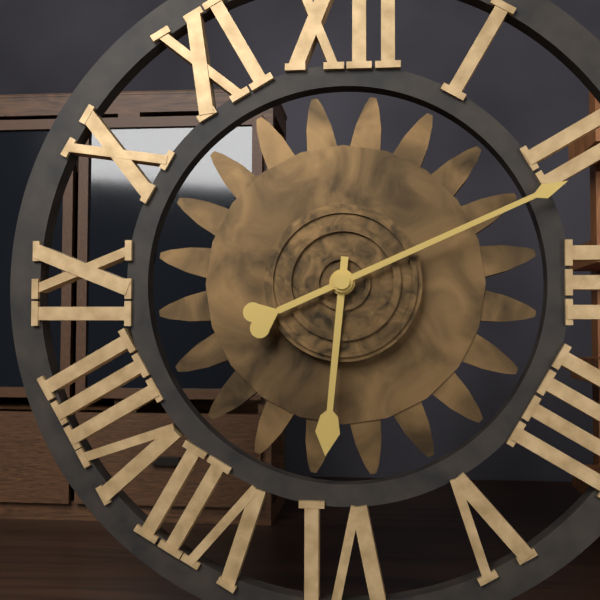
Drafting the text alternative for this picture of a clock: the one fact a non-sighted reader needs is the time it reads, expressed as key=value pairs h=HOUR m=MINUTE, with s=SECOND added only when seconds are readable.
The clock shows h=6 m=11
